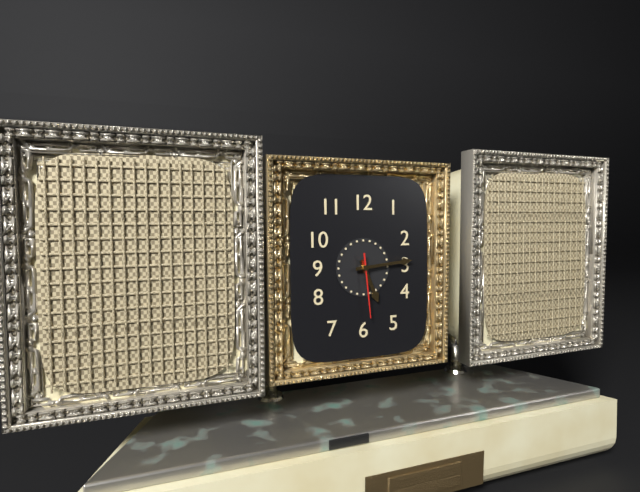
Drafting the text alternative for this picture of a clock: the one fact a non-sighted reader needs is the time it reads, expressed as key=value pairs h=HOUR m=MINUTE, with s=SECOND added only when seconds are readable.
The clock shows h=5 m=14 s=29
